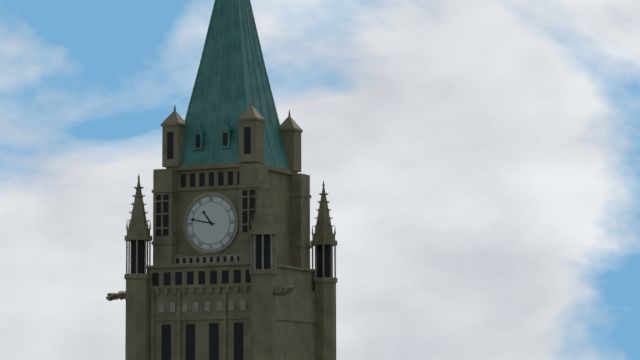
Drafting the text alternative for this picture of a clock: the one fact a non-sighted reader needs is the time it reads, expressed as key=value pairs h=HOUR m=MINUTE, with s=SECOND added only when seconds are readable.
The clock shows h=10 m=47
